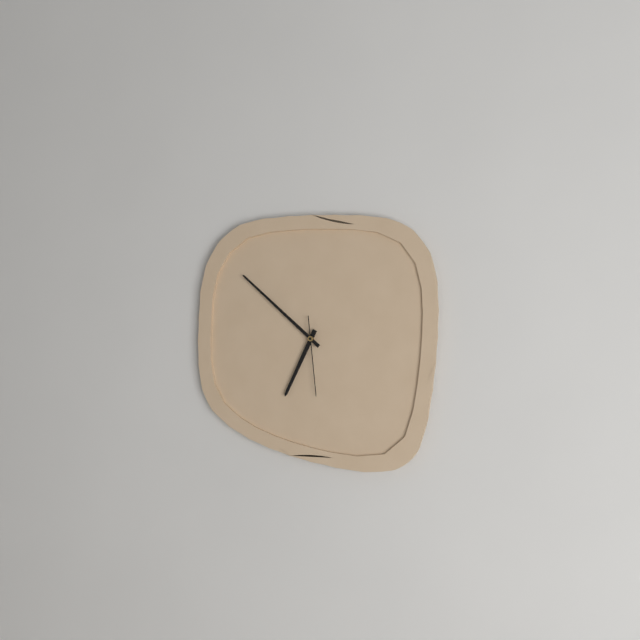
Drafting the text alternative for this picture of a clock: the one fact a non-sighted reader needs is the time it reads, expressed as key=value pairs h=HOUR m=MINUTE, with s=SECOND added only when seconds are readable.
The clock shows h=6 m=52 s=29
